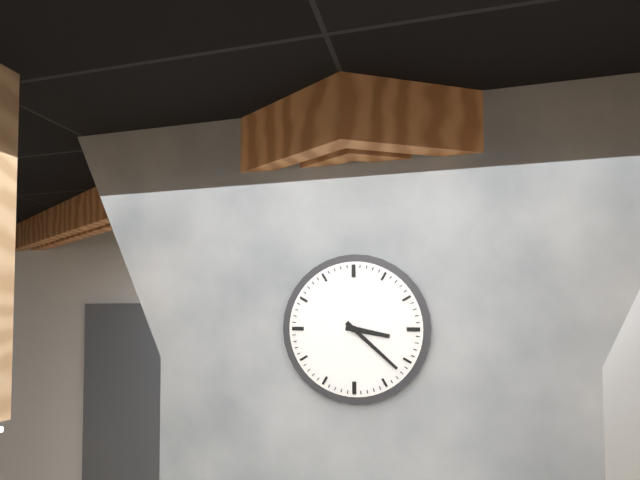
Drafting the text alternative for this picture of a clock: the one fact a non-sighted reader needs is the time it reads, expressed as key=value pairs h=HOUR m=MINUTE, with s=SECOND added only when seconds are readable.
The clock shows h=3 m=22
